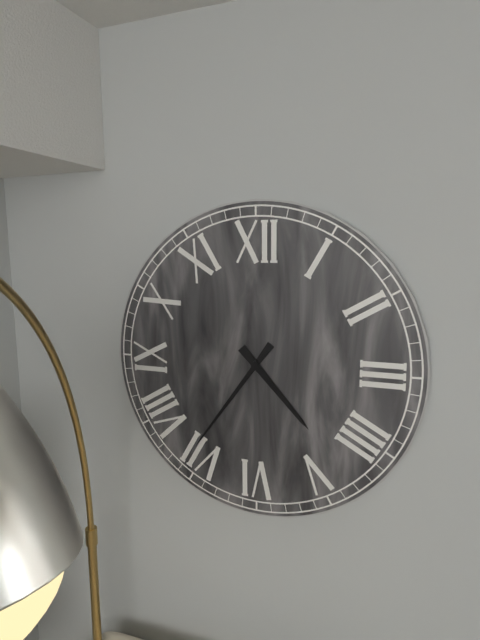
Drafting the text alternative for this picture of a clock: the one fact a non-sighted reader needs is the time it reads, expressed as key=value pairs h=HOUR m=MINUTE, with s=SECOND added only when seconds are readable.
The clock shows h=4 m=36
